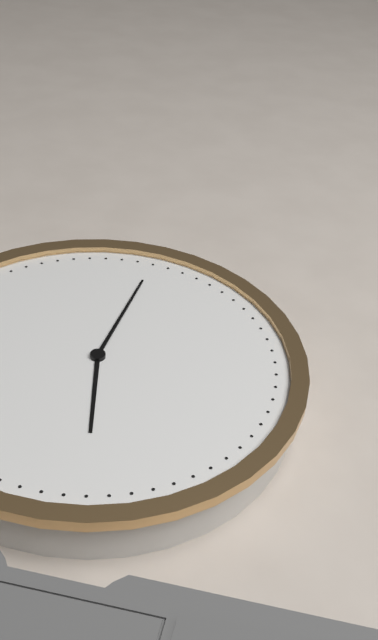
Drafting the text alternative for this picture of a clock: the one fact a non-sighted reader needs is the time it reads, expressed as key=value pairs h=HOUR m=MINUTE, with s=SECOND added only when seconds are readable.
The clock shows h=10 m=25
